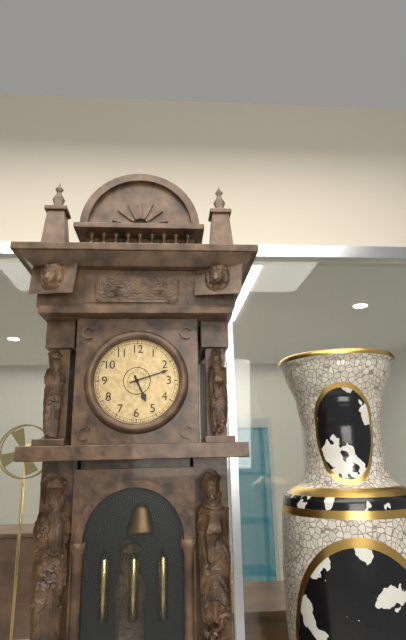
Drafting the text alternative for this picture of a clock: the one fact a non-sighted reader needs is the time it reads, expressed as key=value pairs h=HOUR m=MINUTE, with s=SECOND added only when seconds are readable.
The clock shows h=5 m=12
